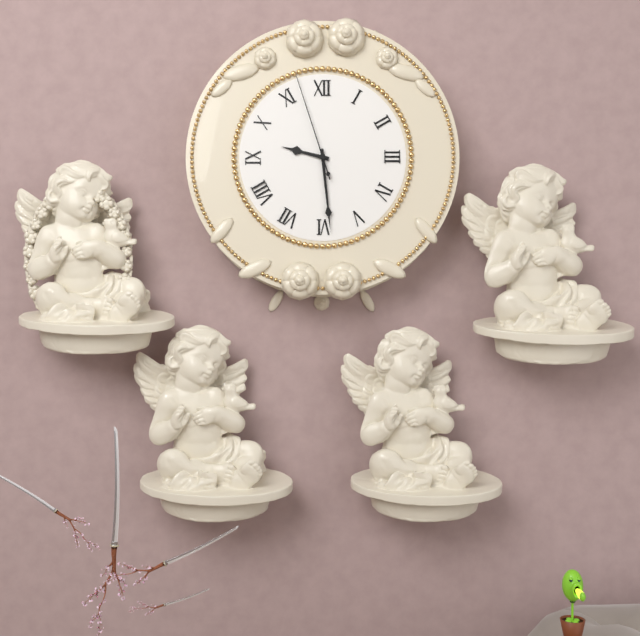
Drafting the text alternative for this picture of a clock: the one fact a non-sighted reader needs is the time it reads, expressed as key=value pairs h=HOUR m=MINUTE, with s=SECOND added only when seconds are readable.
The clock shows h=9 m=29 s=57
